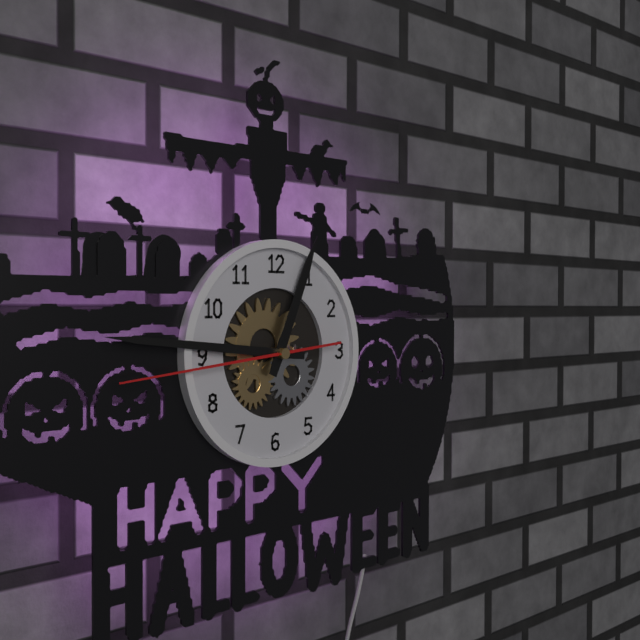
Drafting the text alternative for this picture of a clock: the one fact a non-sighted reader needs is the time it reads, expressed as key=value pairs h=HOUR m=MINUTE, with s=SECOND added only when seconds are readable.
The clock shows h=12 m=46 s=44
